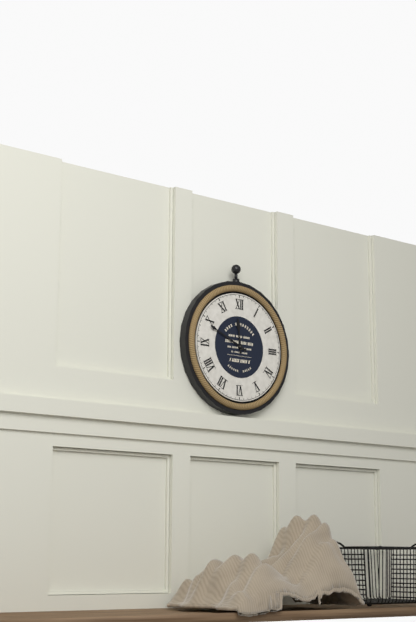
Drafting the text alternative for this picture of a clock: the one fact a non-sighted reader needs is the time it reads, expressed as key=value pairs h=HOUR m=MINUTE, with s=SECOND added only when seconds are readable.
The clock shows h=11 m=49
